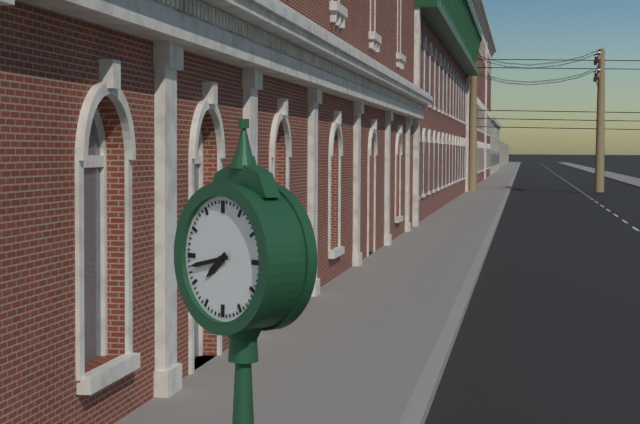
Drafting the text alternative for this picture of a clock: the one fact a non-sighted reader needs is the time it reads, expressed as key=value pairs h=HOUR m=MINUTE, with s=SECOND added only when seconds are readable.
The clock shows h=7 m=43
